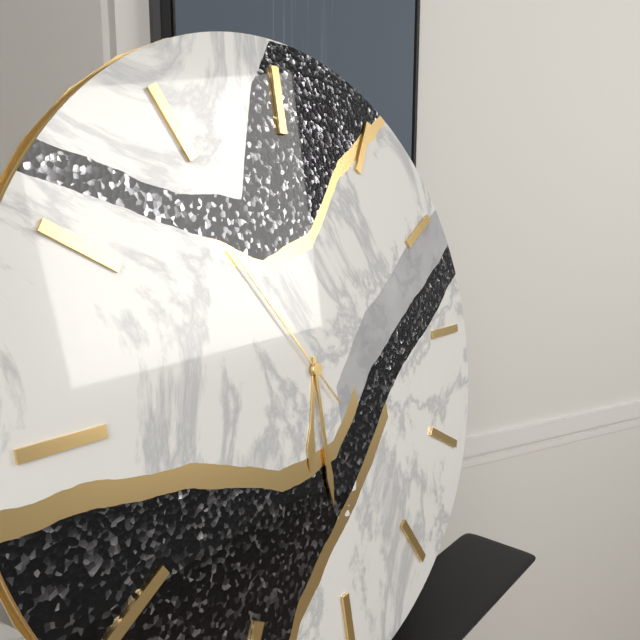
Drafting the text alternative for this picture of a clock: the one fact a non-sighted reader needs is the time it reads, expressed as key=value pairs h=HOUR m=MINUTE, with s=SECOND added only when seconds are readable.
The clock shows h=6 m=30 s=54
